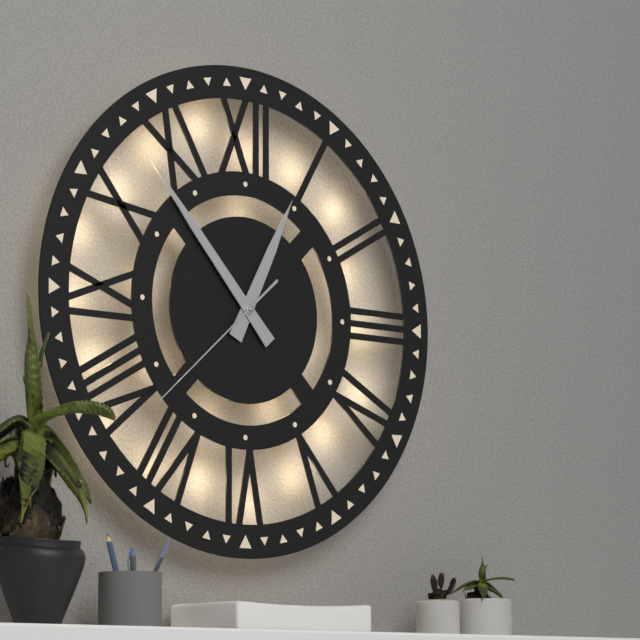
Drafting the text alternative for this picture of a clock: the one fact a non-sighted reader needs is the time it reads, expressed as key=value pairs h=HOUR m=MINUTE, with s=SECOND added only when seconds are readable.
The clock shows h=12 m=53 s=38
